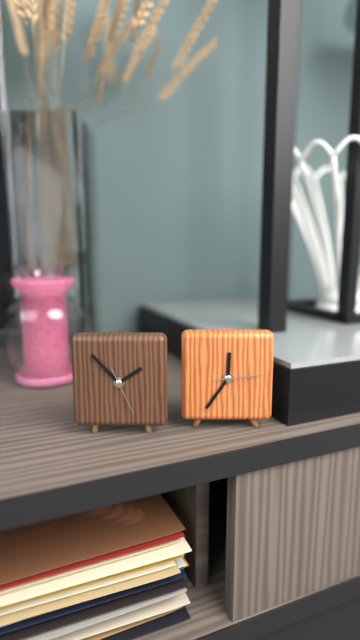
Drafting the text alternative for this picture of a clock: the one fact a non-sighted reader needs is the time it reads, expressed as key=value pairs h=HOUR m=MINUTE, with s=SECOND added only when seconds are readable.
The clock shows h=1 m=53
